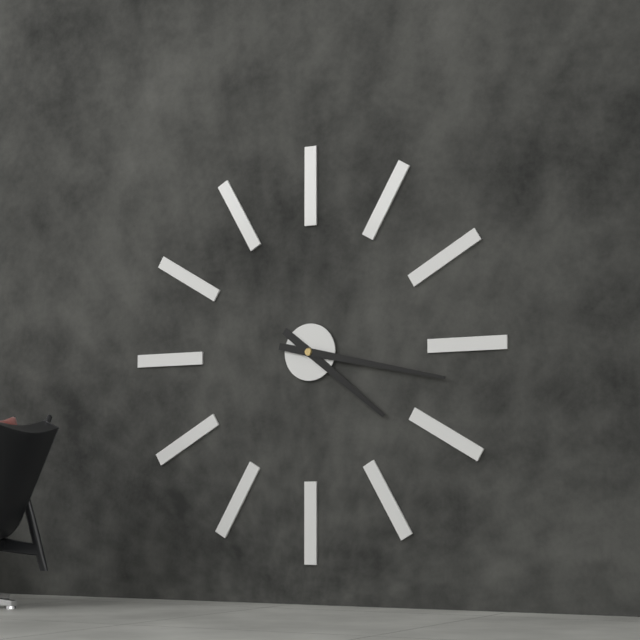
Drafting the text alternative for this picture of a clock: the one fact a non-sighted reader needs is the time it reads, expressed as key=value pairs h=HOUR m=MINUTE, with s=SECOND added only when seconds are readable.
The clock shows h=4 m=17
